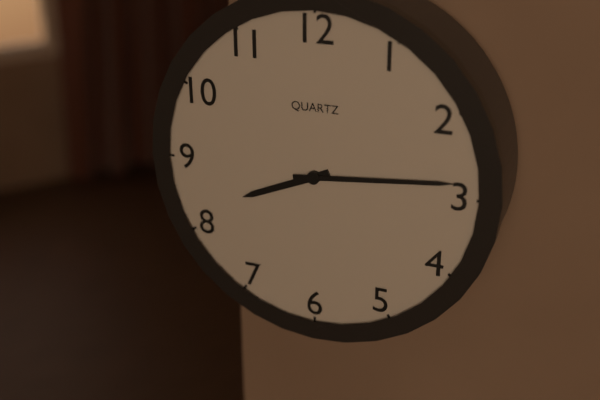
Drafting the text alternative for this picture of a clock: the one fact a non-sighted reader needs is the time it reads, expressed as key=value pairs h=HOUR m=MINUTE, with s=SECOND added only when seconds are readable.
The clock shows h=8 m=14
